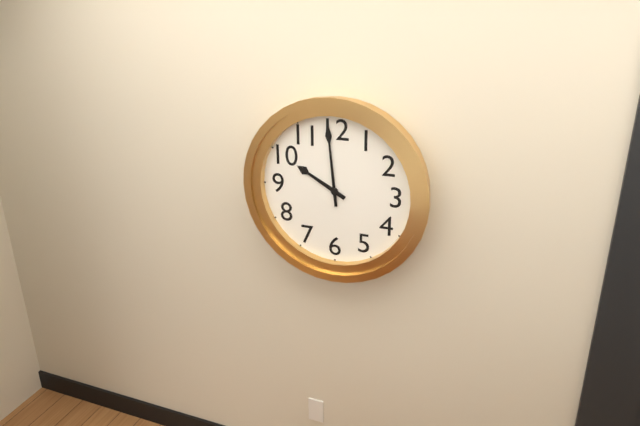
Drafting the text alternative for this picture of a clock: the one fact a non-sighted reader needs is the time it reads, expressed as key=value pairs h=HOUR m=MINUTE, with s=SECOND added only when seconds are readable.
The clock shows h=9 m=59
